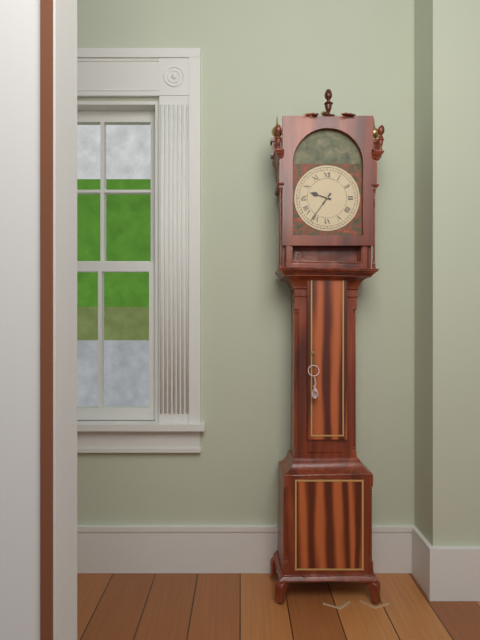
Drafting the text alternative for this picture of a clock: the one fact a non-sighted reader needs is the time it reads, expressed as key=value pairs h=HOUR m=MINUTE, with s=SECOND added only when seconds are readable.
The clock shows h=9 m=36
